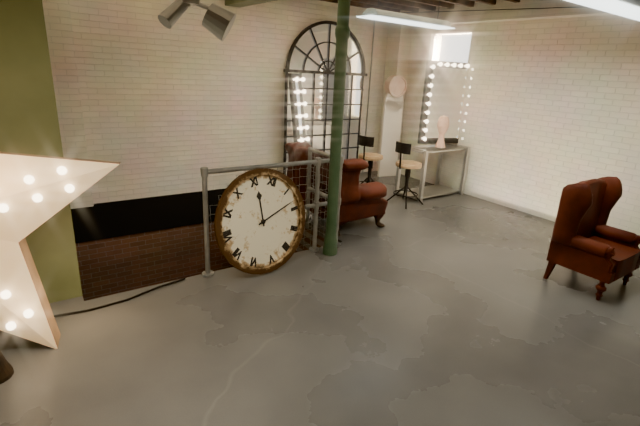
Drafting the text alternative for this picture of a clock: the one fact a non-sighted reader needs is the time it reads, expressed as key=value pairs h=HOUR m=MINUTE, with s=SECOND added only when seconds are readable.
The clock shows h=11 m=8
